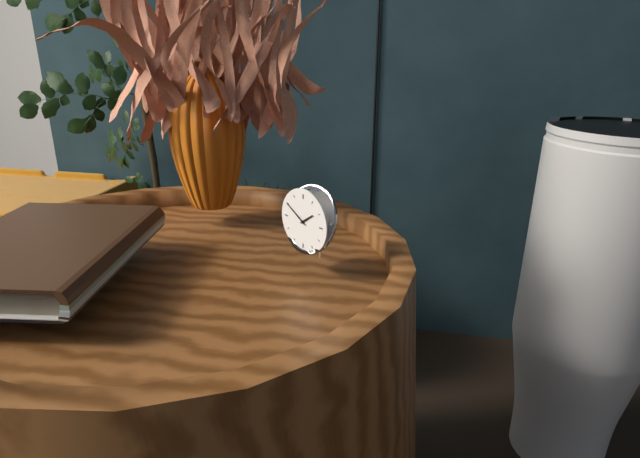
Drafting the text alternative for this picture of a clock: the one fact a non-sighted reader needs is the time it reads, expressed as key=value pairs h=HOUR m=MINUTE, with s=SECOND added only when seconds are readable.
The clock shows h=1 m=50
